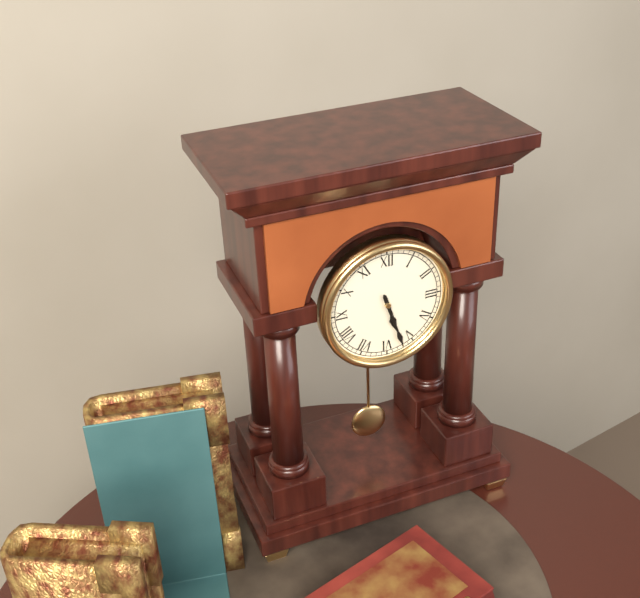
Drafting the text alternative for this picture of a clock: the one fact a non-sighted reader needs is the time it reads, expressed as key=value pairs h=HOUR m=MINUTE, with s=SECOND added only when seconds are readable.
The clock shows h=5 m=27
